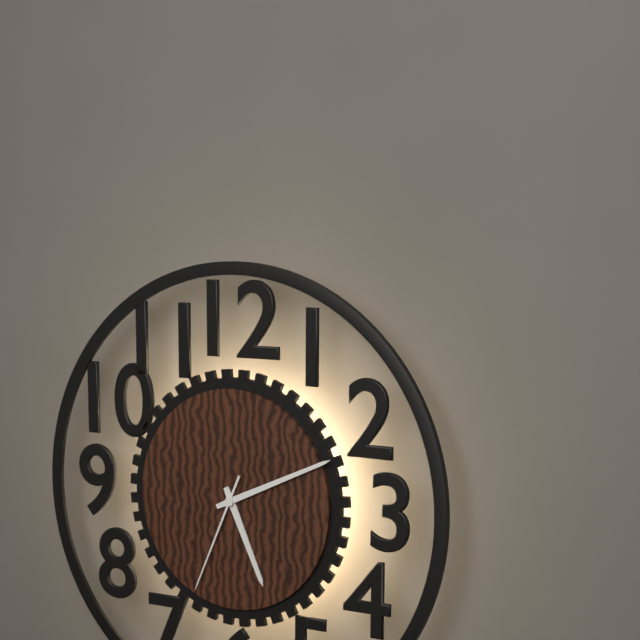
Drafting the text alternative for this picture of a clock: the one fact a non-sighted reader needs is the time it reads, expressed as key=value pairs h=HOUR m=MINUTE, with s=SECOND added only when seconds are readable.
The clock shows h=5 m=11 s=34
